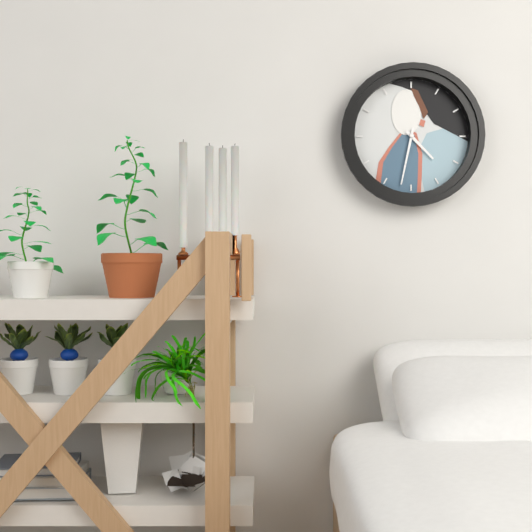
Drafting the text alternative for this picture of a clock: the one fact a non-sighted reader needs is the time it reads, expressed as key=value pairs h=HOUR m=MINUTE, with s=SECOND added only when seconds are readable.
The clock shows h=4 m=32
